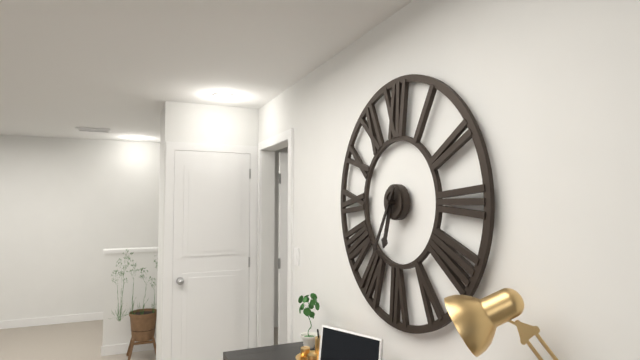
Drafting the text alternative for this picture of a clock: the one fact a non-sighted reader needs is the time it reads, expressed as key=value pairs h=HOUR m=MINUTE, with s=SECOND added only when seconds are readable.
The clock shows h=6 m=35
